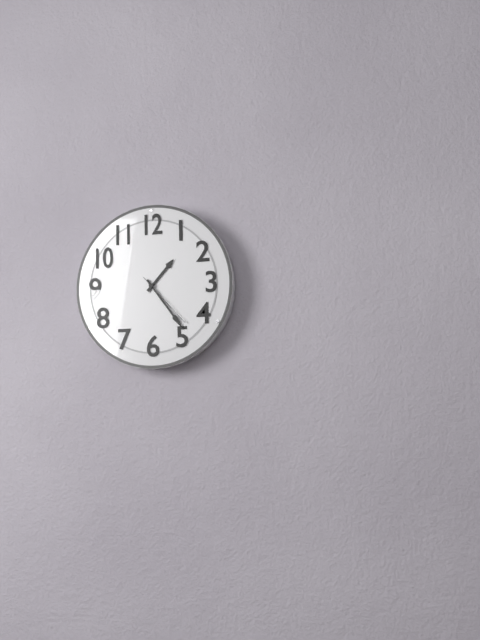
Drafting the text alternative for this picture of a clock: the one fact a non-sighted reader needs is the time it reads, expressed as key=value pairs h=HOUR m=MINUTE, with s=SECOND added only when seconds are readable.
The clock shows h=1 m=24 s=23
